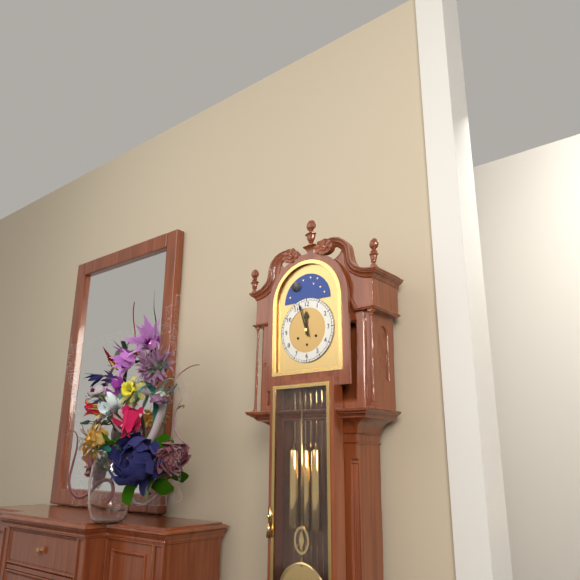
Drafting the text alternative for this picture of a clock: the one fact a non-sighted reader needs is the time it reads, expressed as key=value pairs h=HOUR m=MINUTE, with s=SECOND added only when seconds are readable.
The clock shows h=11 m=57
